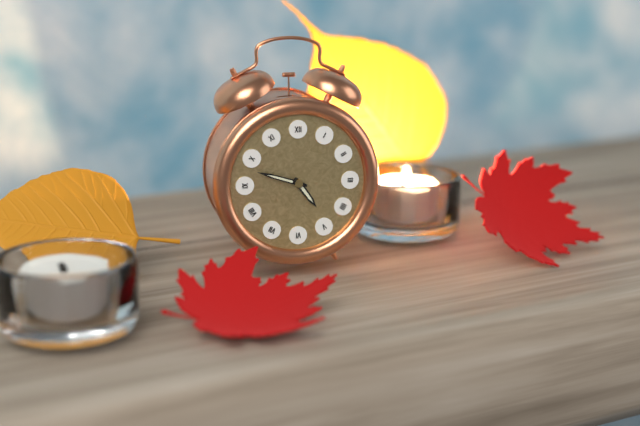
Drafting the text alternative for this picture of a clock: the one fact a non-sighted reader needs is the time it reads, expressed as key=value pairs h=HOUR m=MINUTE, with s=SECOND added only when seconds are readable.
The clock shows h=4 m=48
